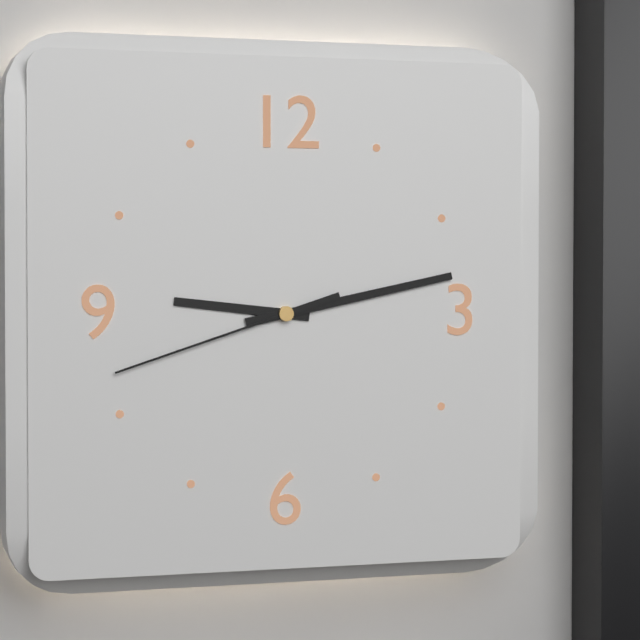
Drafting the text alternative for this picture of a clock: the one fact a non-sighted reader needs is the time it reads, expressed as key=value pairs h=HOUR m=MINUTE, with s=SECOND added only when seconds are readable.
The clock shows h=9 m=13 s=42
